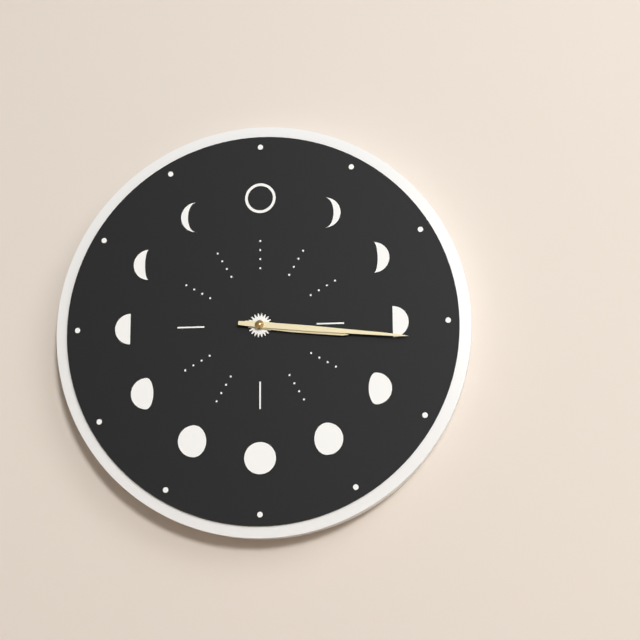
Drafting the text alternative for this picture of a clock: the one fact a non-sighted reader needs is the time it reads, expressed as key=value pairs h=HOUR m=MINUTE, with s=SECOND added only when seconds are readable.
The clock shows h=3 m=16
